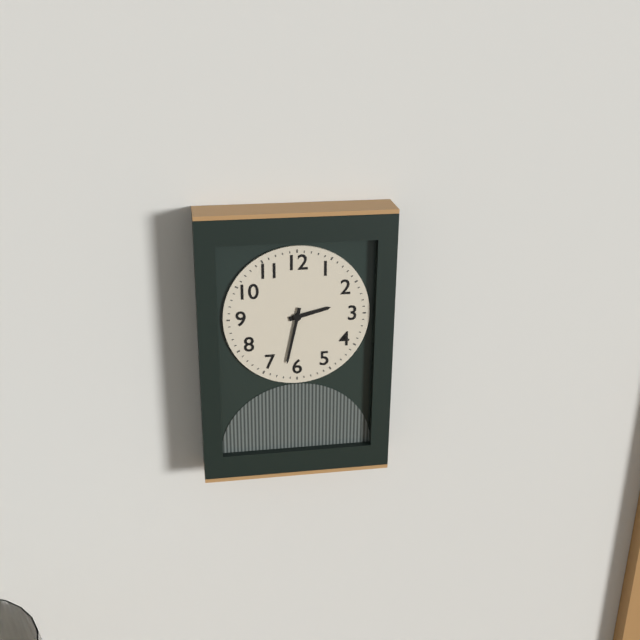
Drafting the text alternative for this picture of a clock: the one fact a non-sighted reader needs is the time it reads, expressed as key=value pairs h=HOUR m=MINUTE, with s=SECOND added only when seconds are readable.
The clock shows h=2 m=32
